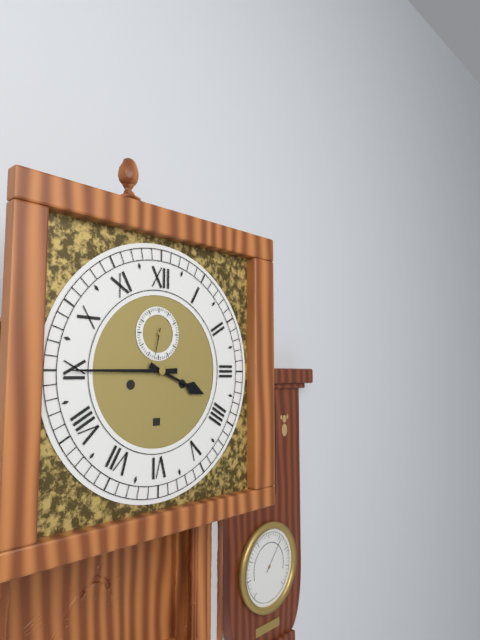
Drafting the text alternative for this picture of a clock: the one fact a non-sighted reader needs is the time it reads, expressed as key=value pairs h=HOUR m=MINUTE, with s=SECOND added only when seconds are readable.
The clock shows h=3 m=45
